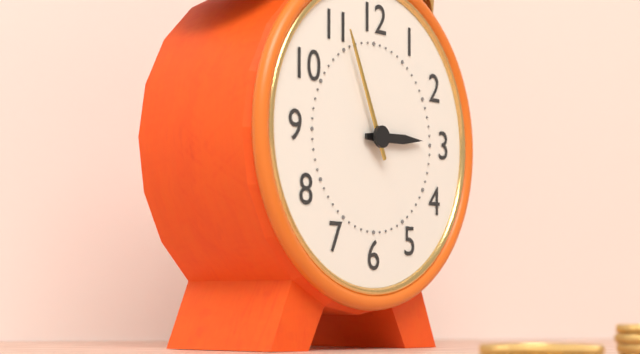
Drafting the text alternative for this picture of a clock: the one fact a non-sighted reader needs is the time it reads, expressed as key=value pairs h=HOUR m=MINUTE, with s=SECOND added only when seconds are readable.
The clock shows h=2 m=56
